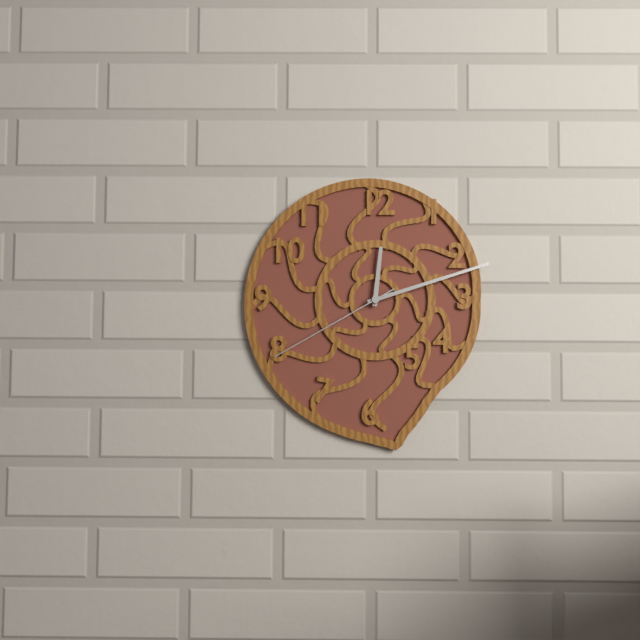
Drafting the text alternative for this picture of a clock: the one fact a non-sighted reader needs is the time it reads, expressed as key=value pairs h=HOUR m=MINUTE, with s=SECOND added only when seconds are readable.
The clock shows h=12 m=12 s=40
